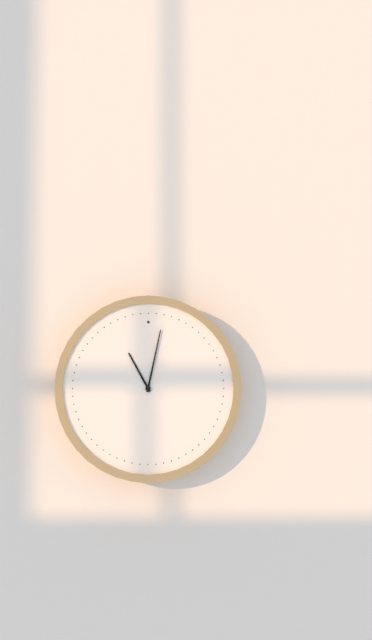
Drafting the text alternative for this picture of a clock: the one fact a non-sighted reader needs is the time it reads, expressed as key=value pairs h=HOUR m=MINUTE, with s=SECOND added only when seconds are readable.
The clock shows h=11 m=2
